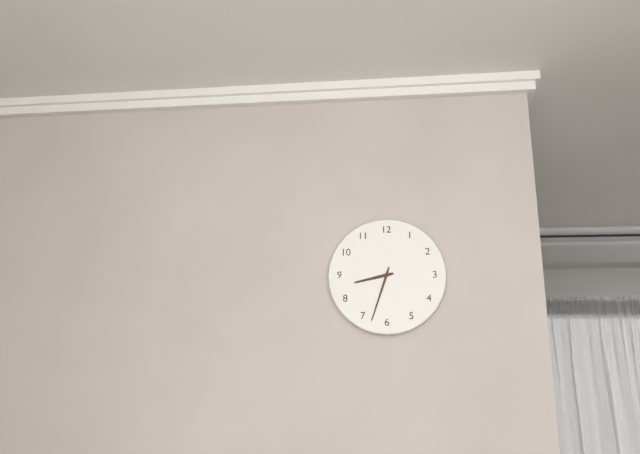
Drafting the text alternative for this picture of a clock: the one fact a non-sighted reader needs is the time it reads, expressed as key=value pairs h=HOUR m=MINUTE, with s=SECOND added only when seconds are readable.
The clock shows h=8 m=33
